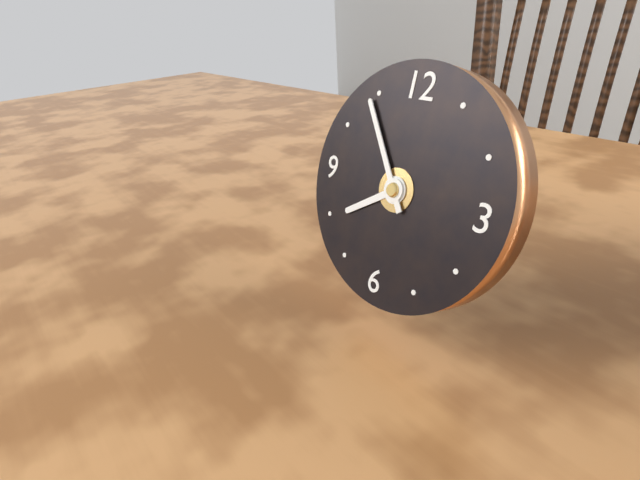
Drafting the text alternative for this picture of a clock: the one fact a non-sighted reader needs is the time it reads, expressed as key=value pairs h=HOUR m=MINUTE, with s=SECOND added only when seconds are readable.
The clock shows h=7 m=54
